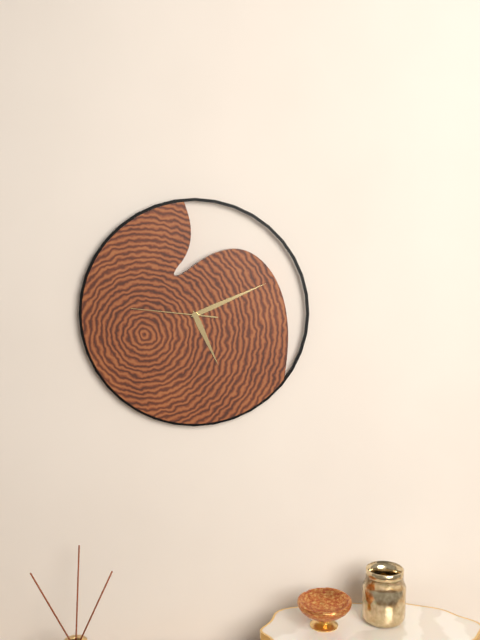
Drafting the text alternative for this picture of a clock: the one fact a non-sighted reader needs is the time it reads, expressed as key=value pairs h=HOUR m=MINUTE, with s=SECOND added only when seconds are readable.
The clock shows h=5 m=11 s=46
